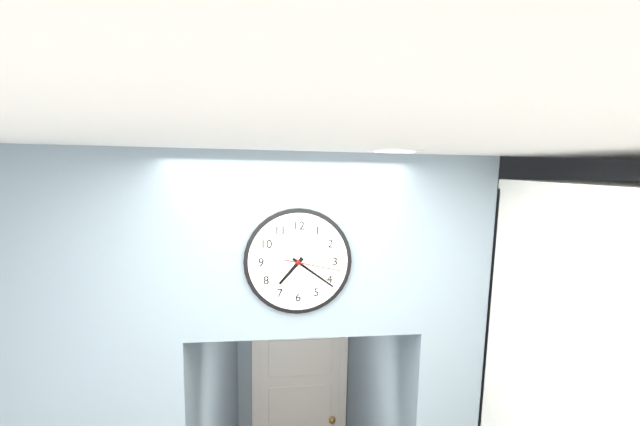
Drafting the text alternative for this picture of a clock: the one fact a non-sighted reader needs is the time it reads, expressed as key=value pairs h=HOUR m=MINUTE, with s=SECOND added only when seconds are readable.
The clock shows h=7 m=21 s=17
